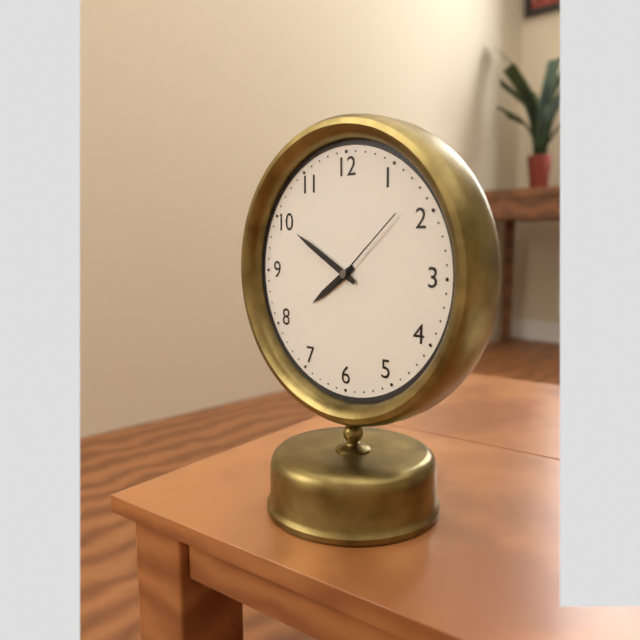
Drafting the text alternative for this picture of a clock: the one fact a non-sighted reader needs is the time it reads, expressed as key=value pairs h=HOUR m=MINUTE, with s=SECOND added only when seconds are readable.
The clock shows h=7 m=50 s=8
